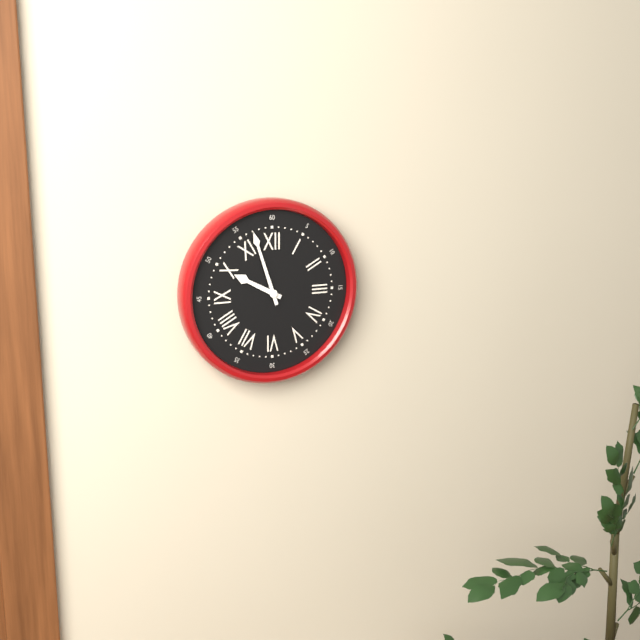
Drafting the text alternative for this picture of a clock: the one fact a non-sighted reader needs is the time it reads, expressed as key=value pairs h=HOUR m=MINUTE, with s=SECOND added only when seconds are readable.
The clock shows h=9 m=57
